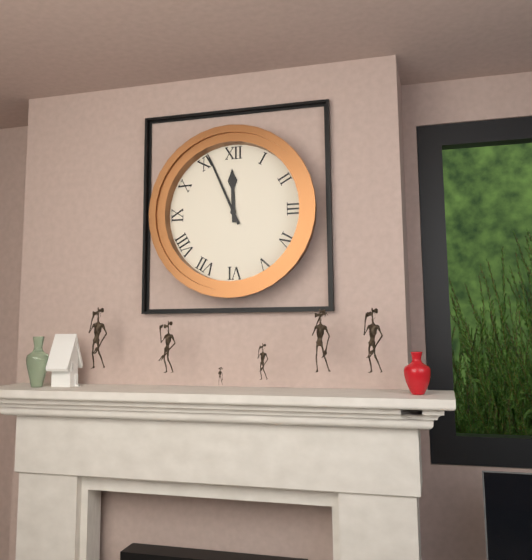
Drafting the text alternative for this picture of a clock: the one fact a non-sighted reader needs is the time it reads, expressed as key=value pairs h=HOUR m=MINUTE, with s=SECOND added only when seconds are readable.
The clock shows h=11 m=56
